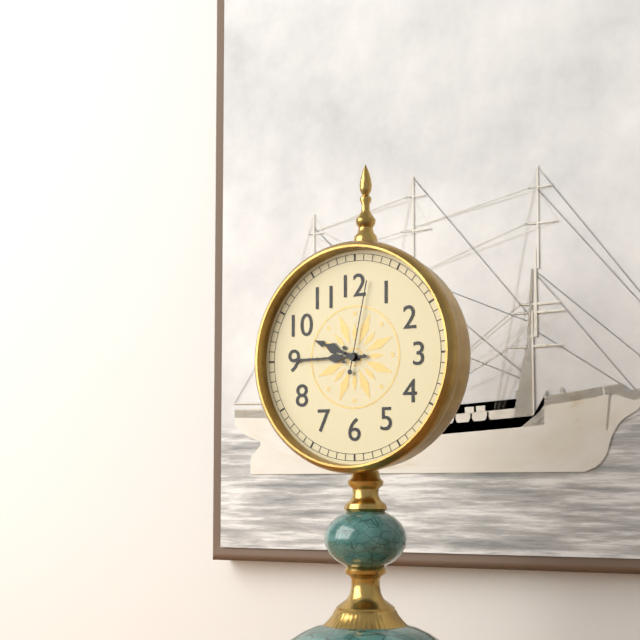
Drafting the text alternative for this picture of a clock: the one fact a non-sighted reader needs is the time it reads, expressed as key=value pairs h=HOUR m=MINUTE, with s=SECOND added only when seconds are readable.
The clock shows h=9 m=45 s=2
